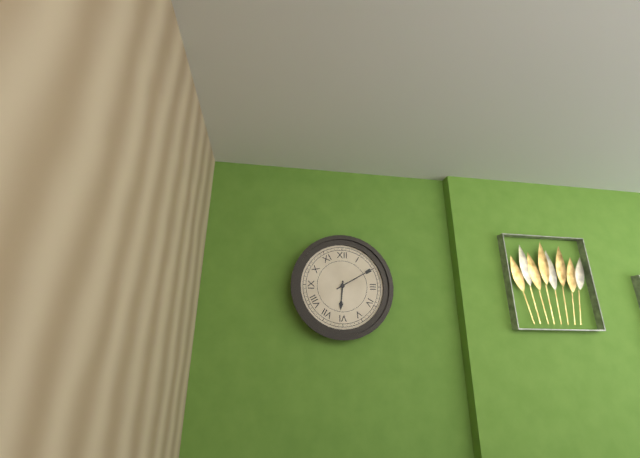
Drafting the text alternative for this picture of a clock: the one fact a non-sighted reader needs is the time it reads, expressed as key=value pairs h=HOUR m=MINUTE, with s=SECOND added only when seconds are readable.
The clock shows h=6 m=10
